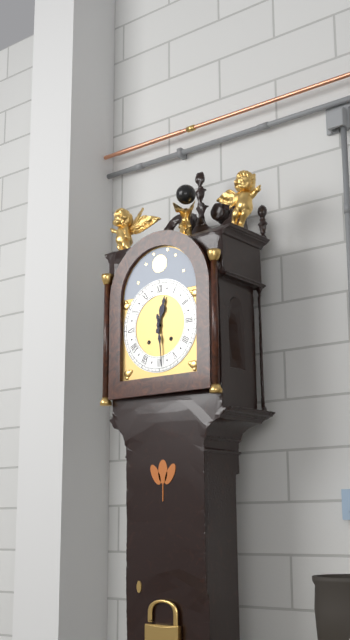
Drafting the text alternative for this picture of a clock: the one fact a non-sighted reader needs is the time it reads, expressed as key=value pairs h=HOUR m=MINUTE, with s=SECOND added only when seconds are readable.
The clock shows h=12 m=29
